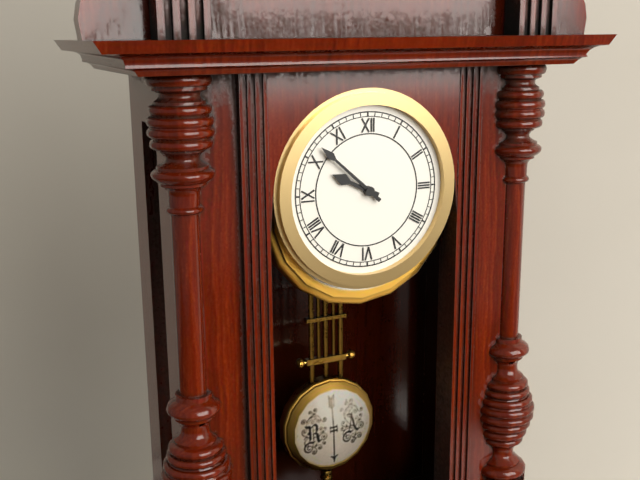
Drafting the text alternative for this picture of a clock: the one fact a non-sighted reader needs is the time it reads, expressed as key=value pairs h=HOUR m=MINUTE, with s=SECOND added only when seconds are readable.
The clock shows h=9 m=52
